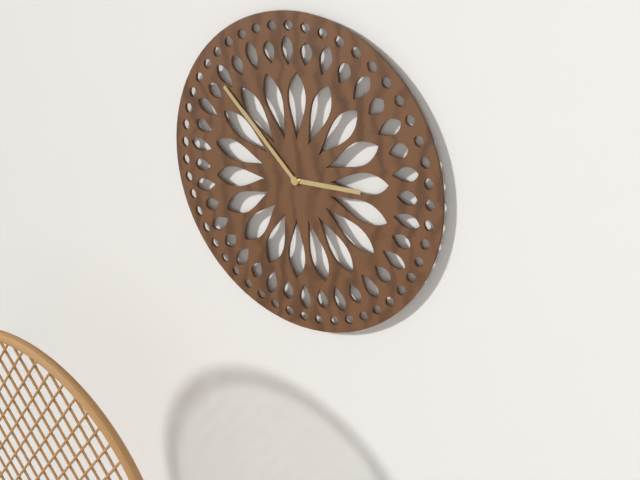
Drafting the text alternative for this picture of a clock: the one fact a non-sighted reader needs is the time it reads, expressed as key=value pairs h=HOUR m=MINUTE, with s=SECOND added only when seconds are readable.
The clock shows h=2 m=52
